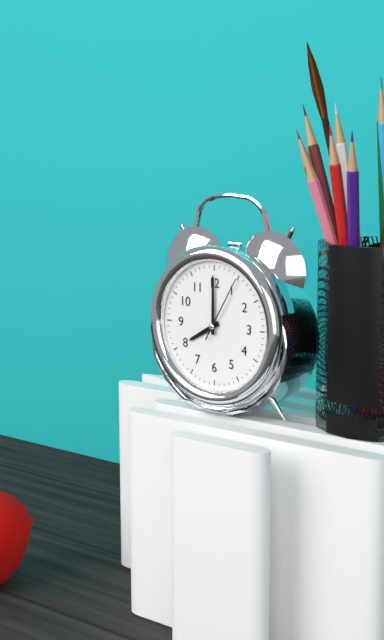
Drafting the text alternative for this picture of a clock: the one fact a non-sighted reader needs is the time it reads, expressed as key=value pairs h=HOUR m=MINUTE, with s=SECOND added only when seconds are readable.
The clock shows h=8 m=0 s=5
